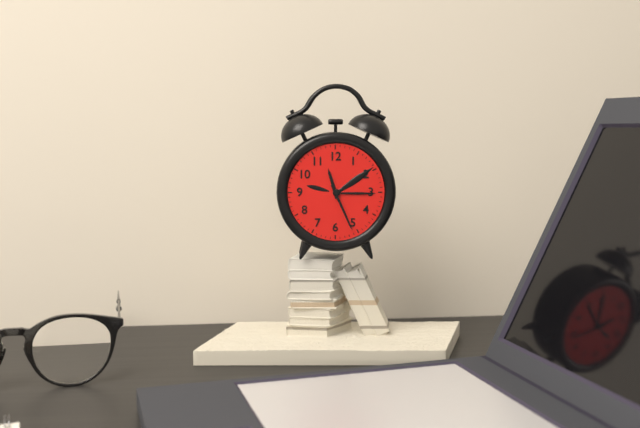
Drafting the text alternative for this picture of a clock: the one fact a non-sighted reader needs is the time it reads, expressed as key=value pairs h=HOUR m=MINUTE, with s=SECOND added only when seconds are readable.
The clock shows h=11 m=26
